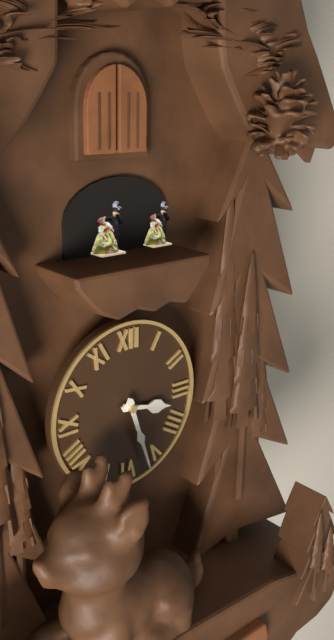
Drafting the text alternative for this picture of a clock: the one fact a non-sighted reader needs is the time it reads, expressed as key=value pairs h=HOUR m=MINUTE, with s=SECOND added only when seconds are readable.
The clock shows h=3 m=27
